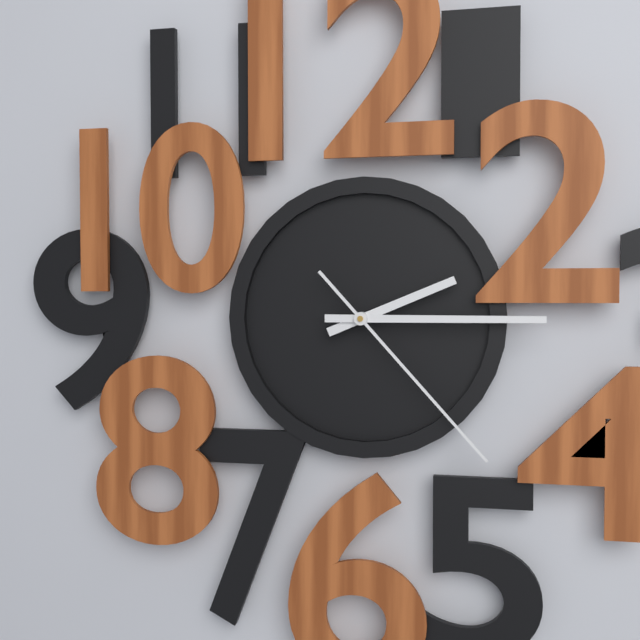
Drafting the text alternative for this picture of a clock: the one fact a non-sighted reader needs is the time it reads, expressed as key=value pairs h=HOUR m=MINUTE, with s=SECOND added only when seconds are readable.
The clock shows h=2 m=15 s=23
